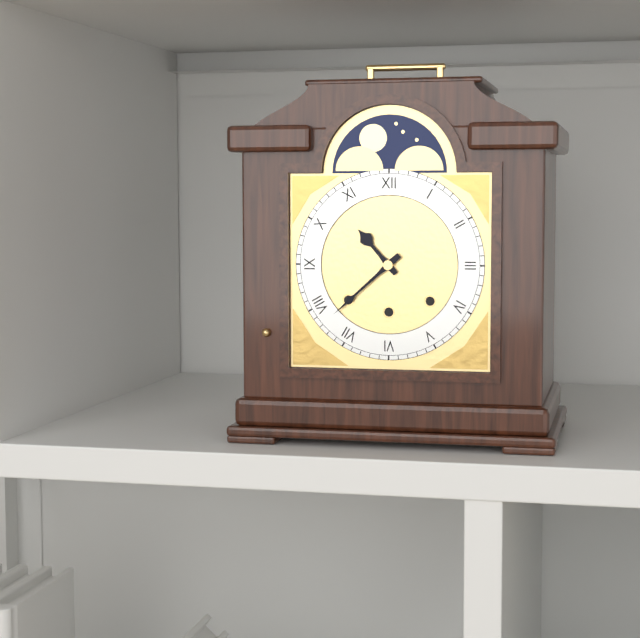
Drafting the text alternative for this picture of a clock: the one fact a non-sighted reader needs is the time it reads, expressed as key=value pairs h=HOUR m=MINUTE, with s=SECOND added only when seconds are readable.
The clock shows h=10 m=38
